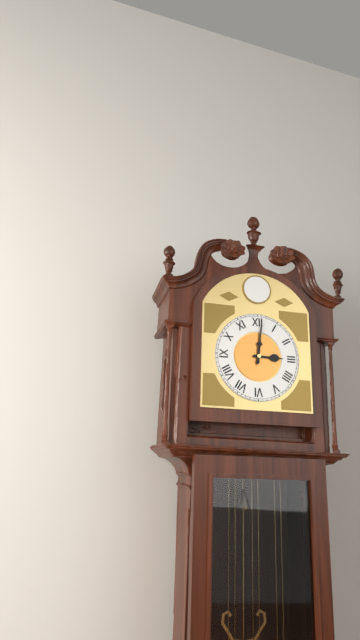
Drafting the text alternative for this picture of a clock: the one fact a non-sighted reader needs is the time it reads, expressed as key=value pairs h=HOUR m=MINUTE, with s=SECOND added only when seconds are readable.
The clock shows h=3 m=1
